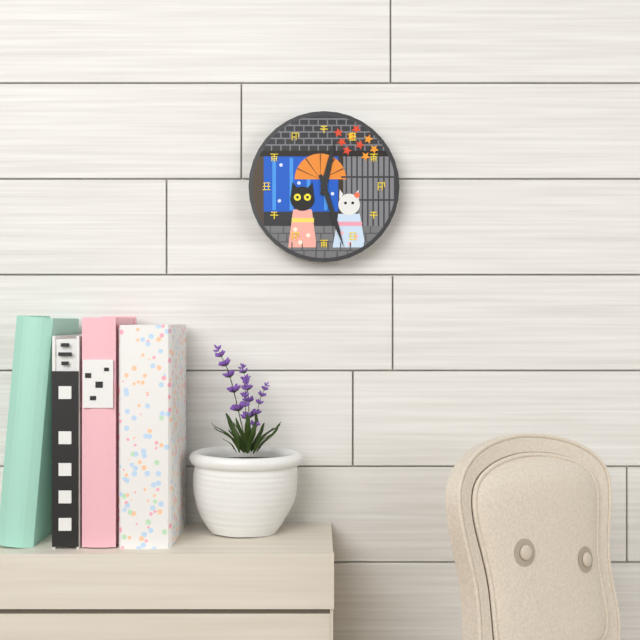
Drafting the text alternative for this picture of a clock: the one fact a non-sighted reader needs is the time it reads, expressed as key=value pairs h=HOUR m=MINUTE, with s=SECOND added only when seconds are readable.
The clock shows h=12 m=27
